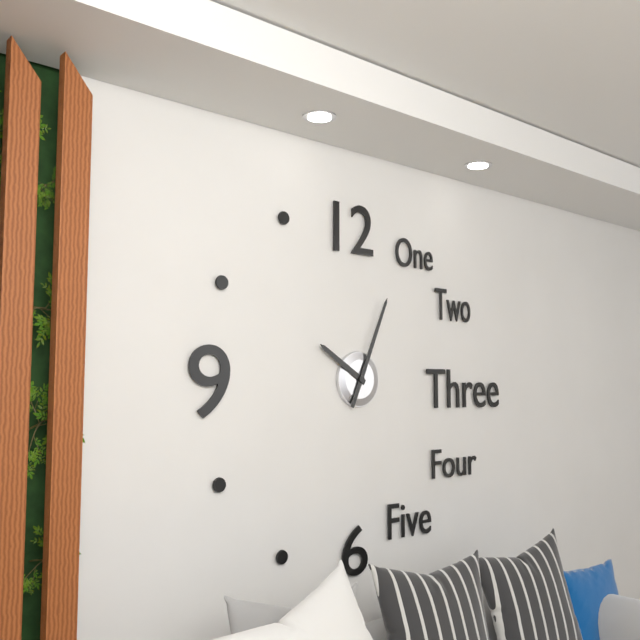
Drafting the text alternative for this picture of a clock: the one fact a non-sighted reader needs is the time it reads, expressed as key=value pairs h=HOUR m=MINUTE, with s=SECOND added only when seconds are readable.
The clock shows h=10 m=4
